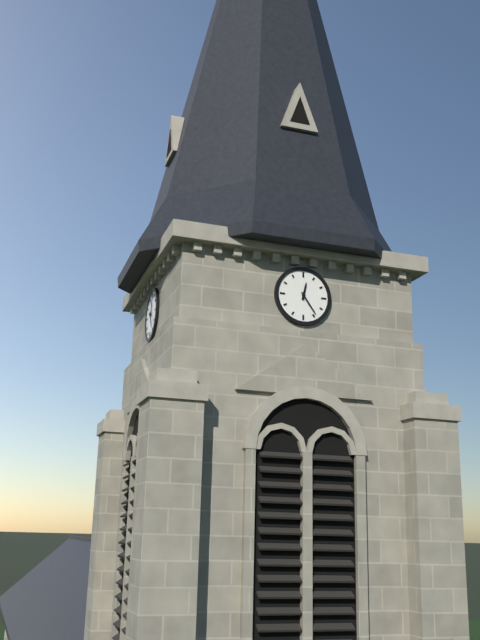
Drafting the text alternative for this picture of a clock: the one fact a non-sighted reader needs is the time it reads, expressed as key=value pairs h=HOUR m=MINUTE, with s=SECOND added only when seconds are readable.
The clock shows h=12 m=24
